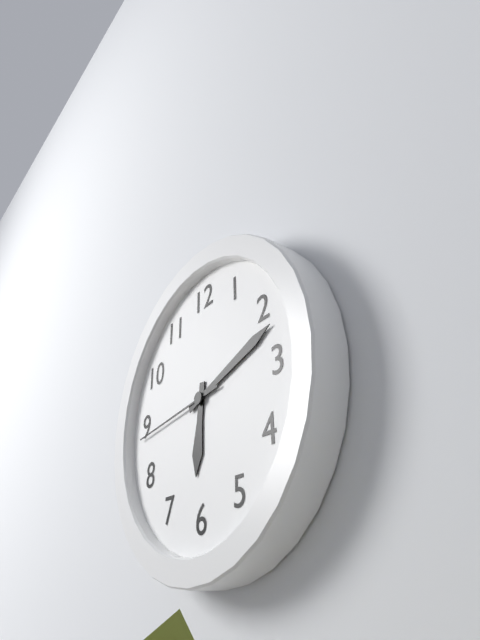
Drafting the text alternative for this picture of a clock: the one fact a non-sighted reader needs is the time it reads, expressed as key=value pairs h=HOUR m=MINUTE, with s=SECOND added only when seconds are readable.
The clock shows h=6 m=12 s=44
